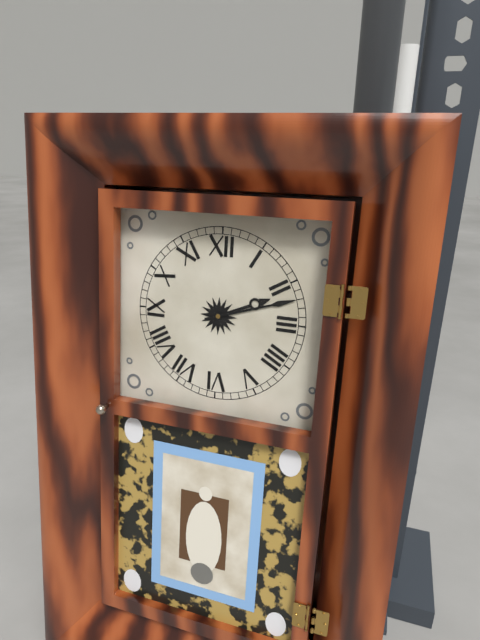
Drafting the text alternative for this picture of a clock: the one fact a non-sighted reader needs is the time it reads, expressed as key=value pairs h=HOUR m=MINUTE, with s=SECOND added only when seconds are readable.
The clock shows h=2 m=12
